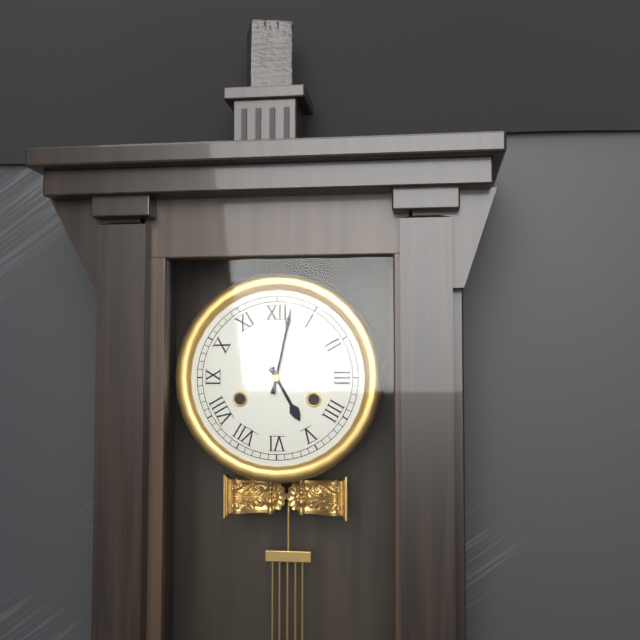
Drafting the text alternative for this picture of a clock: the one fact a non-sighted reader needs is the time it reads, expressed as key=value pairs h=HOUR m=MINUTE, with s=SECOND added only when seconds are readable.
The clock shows h=5 m=2
